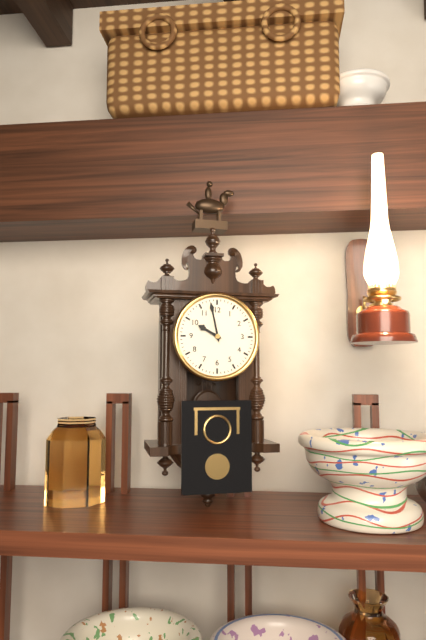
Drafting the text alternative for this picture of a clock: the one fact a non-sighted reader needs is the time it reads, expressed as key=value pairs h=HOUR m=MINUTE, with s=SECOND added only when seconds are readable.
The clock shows h=9 m=58
